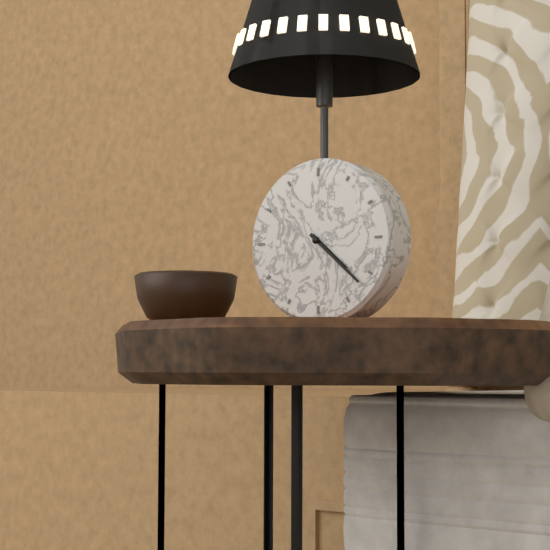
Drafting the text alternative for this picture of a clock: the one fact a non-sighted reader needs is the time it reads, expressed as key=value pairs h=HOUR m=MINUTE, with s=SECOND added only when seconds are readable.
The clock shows h=4 m=22
